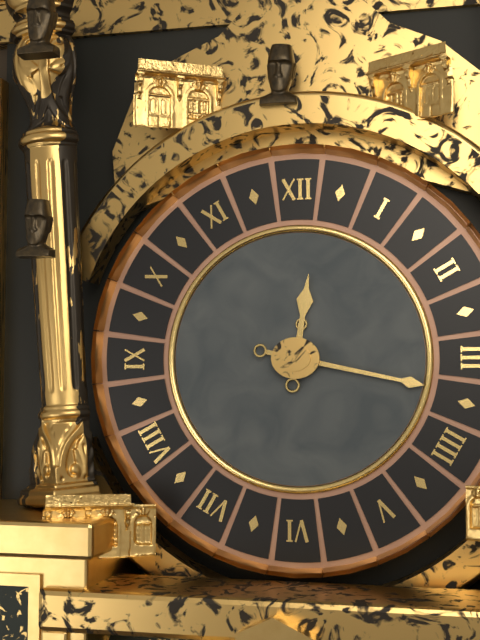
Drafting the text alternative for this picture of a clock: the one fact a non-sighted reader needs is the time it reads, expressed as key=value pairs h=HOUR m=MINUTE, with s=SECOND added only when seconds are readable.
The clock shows h=12 m=17
